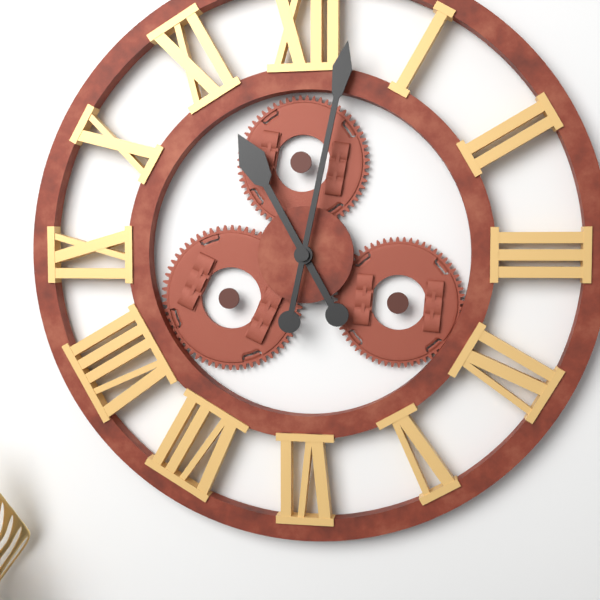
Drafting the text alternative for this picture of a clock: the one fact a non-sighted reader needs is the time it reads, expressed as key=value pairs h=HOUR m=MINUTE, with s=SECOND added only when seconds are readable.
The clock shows h=11 m=2
